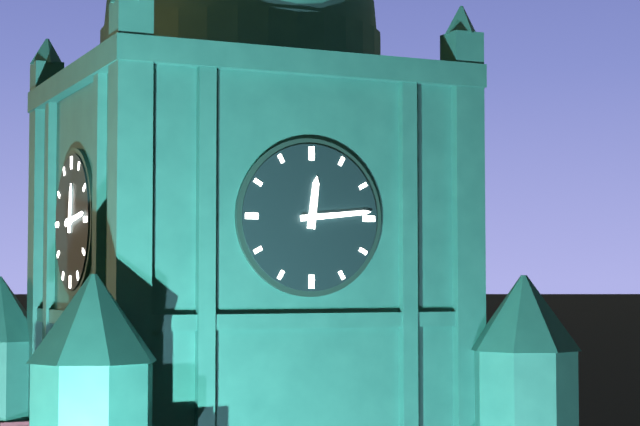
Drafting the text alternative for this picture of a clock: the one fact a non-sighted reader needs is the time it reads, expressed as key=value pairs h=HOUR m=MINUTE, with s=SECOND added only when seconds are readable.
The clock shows h=12 m=14
